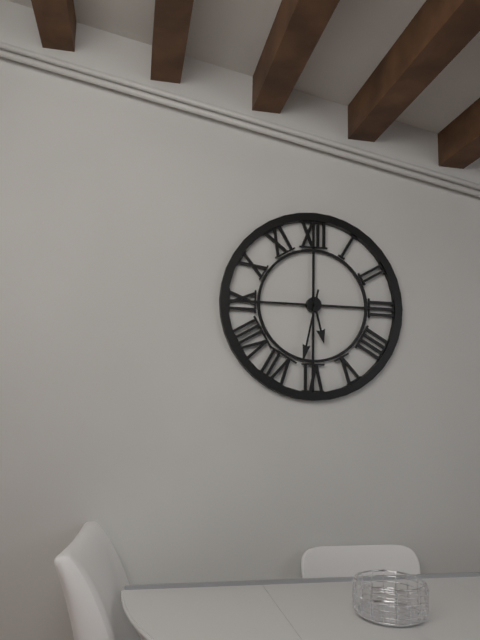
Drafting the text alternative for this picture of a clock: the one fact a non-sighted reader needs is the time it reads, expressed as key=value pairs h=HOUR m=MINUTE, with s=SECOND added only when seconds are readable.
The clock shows h=5 m=32
